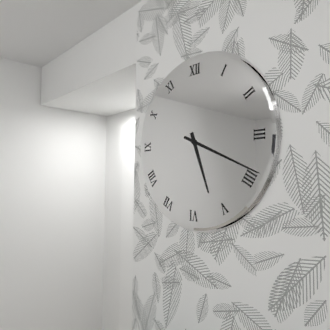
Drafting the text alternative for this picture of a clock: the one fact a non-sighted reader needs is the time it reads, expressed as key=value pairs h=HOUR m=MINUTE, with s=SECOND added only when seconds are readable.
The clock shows h=5 m=19
